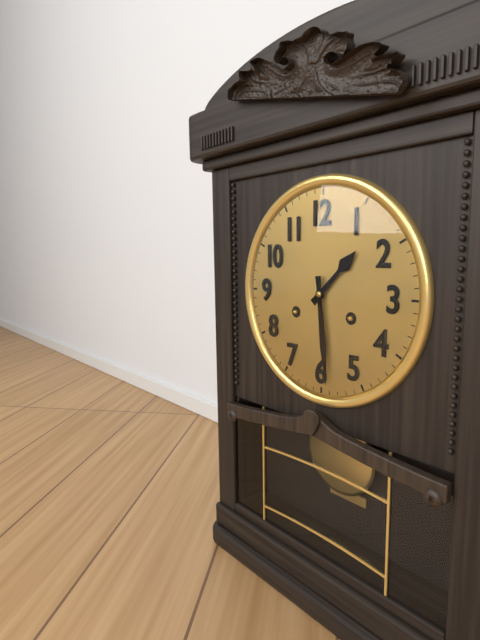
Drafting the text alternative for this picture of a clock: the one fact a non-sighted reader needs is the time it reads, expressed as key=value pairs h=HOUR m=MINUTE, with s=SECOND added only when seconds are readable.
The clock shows h=1 m=29
